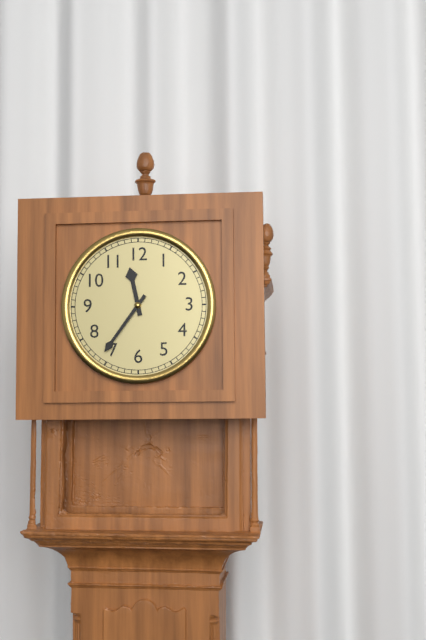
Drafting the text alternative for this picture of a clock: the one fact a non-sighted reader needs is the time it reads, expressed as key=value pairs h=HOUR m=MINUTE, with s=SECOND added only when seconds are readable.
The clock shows h=11 m=36
